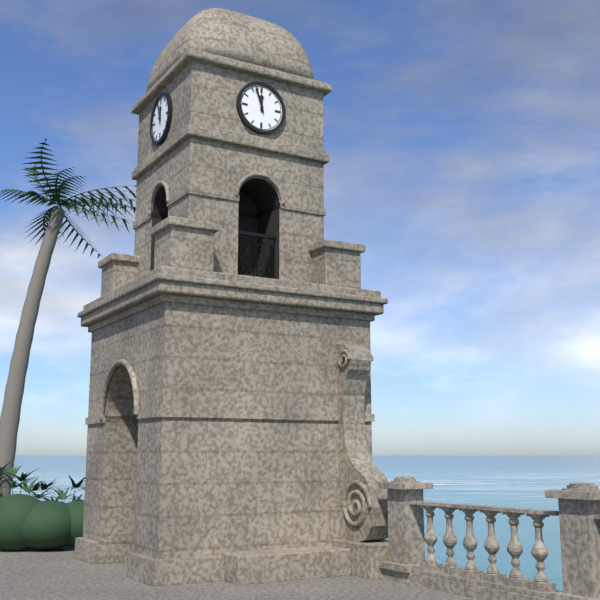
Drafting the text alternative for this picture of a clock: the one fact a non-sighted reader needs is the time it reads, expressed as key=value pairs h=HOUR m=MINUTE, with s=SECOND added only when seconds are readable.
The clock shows h=11 m=57
